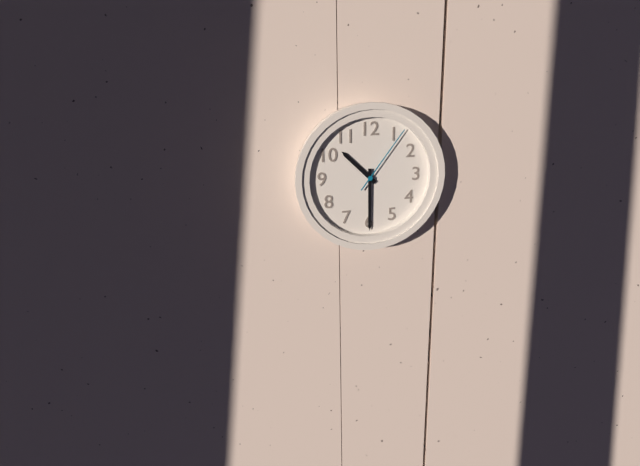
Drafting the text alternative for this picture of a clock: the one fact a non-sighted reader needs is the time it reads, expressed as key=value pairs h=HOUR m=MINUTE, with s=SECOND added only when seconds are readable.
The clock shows h=10 m=30 s=6
